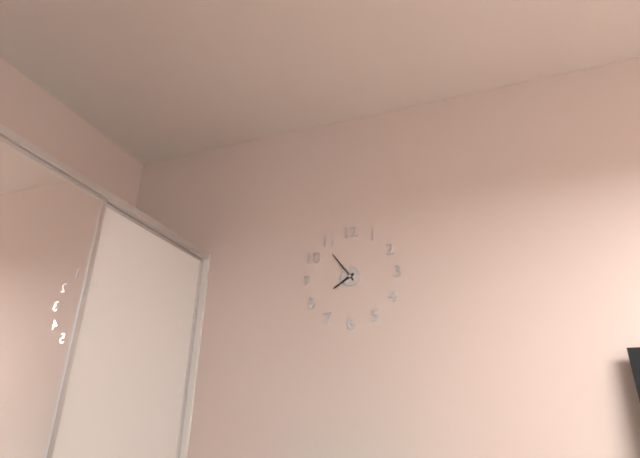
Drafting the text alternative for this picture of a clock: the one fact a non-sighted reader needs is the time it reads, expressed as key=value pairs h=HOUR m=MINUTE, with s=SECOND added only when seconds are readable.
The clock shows h=7 m=54
